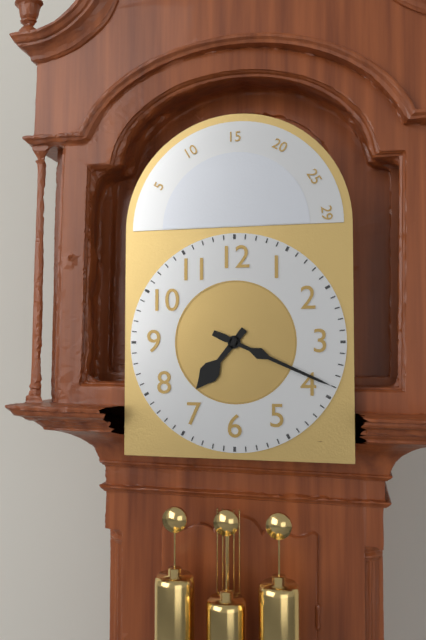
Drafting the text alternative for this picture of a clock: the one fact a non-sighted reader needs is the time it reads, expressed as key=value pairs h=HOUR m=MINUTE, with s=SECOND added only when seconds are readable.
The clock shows h=7 m=19
